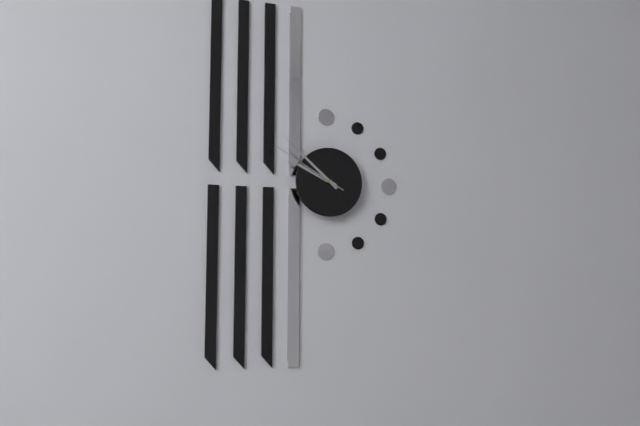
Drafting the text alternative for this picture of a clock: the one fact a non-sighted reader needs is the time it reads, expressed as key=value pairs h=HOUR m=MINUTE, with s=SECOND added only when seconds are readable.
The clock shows h=9 m=52 s=50
